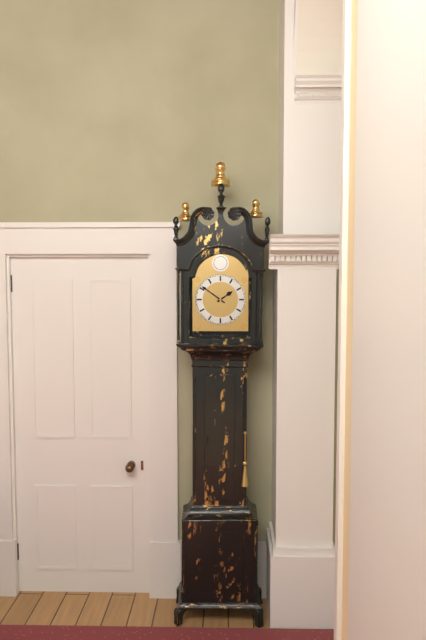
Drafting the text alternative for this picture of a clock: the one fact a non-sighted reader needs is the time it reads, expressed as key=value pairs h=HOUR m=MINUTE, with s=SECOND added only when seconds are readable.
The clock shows h=1 m=51
